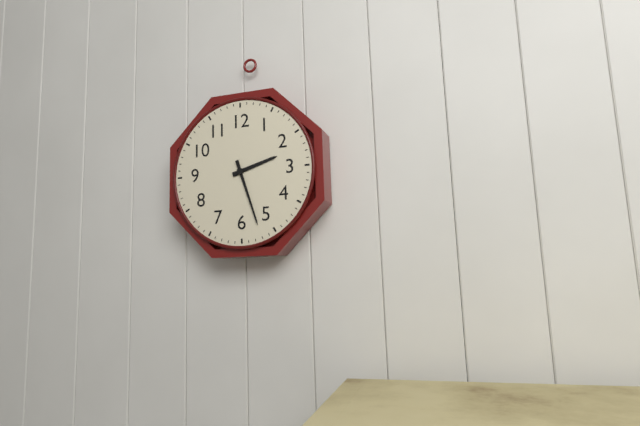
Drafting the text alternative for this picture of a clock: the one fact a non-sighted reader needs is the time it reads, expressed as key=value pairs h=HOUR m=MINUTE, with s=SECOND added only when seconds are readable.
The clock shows h=2 m=27
